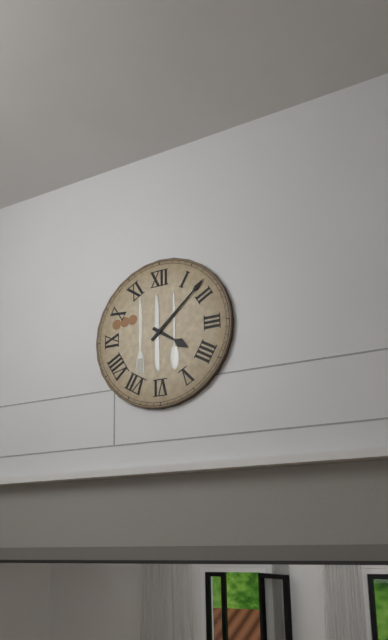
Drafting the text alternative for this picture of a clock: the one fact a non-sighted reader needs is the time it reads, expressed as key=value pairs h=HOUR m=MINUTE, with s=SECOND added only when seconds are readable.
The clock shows h=4 m=8
